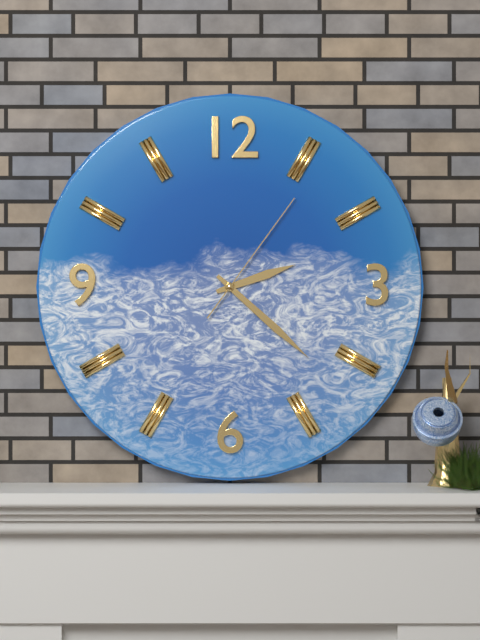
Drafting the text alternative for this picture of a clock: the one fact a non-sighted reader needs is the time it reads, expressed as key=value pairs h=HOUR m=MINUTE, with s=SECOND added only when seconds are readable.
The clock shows h=2 m=22 s=6
